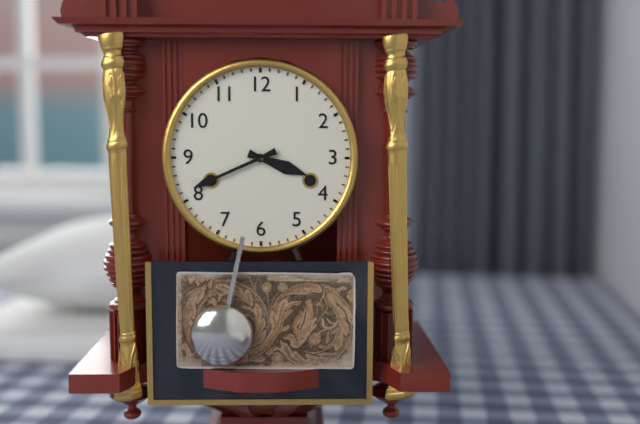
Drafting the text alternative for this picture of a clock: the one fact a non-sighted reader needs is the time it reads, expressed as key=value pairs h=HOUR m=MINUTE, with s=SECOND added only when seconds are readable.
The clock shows h=3 m=41
